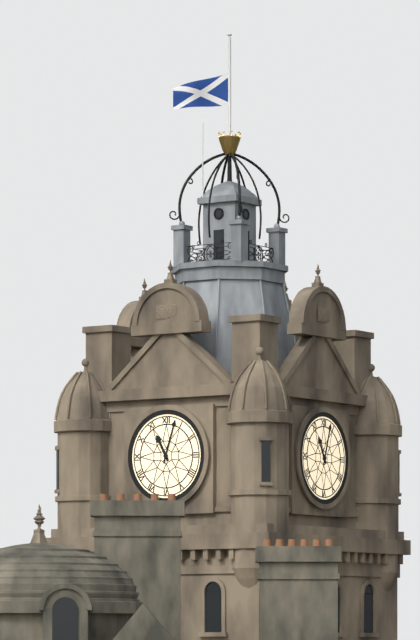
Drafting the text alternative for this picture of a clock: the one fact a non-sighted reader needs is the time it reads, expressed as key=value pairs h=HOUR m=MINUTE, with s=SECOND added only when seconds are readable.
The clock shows h=11 m=3
